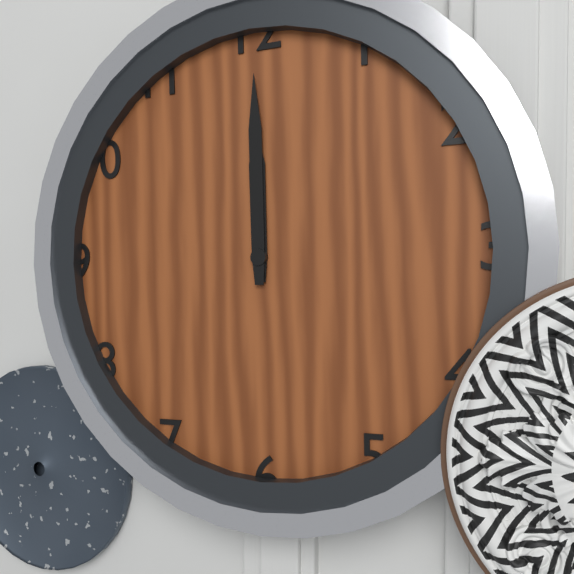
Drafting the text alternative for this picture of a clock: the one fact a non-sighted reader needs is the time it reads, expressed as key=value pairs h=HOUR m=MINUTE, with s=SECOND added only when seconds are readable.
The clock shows h=12 m=0
